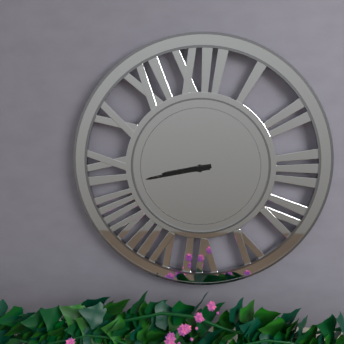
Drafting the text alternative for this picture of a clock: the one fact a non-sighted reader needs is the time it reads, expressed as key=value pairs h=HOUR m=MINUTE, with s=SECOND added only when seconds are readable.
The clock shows h=8 m=43
